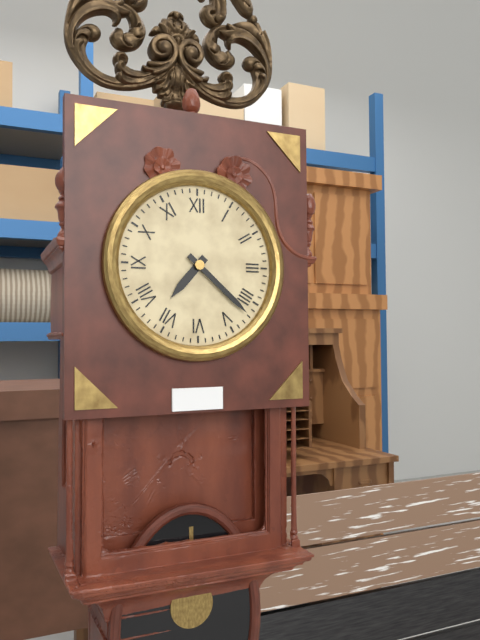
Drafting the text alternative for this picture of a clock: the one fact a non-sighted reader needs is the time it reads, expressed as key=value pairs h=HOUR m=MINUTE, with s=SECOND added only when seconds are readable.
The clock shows h=7 m=22
